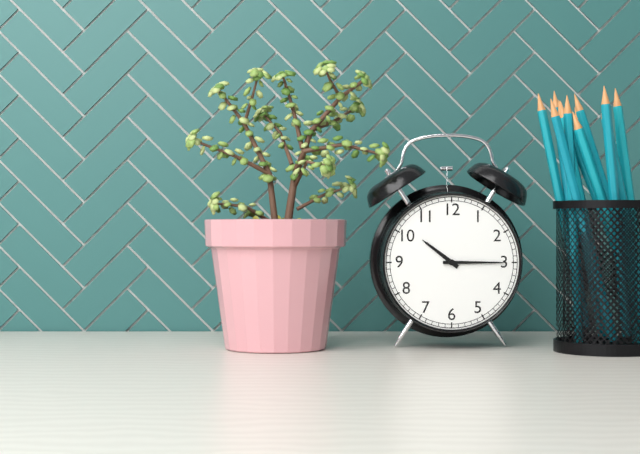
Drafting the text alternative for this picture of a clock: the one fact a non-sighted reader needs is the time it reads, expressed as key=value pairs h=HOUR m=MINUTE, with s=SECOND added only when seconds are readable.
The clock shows h=10 m=15
